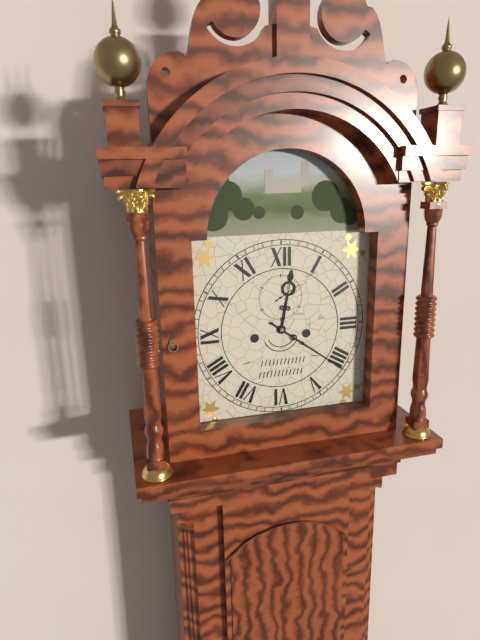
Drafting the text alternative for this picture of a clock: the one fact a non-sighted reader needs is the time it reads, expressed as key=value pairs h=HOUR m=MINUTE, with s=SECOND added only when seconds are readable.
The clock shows h=12 m=21
